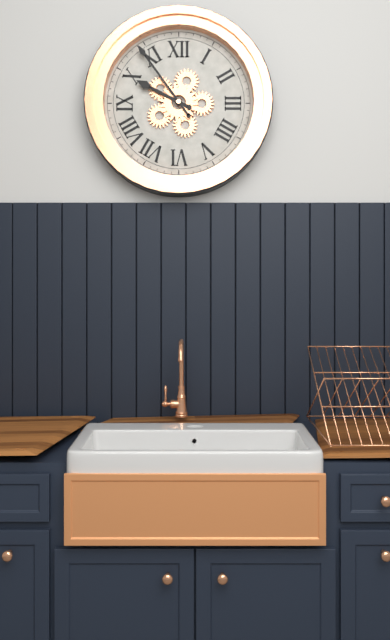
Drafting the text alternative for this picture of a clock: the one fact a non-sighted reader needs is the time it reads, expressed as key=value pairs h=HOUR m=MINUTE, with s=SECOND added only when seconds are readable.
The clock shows h=9 m=54
